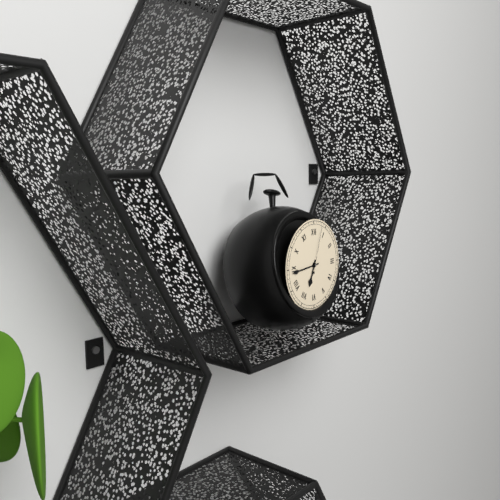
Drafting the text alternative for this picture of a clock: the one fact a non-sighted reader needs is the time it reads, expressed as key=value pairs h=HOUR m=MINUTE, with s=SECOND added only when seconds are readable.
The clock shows h=6 m=44
